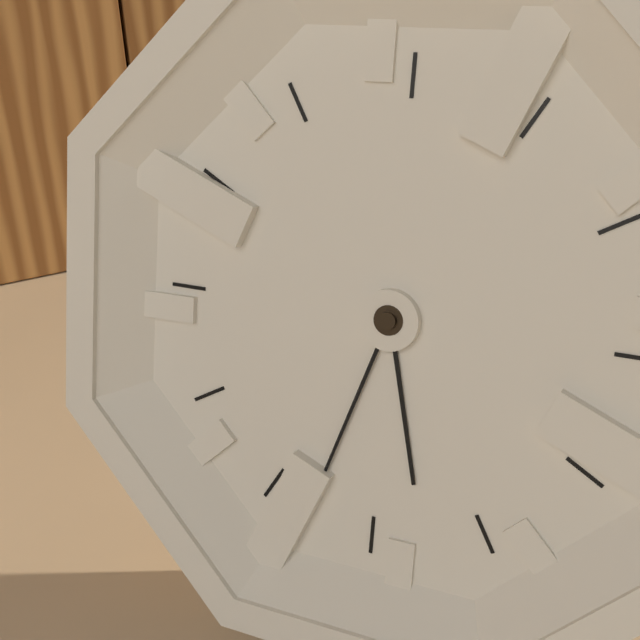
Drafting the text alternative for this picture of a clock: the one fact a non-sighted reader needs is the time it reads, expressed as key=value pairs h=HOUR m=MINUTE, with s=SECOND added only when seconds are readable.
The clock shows h=5 m=33
